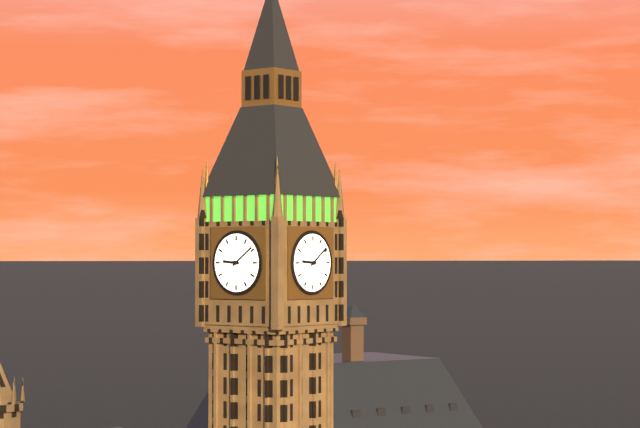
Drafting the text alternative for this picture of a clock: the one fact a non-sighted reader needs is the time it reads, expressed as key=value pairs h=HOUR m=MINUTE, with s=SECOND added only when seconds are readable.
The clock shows h=9 m=9
